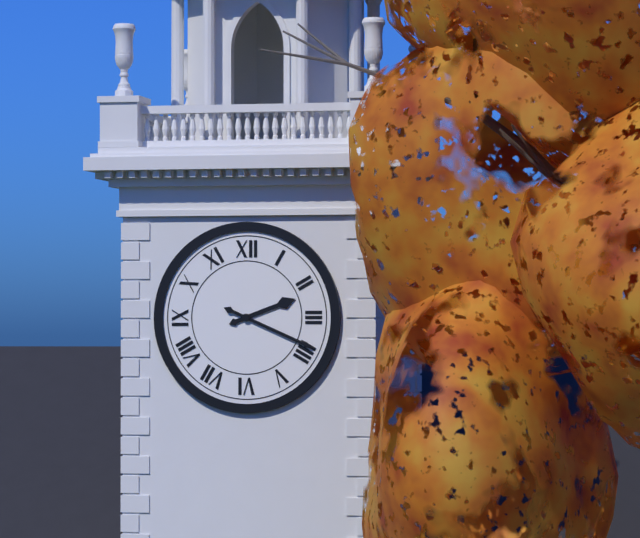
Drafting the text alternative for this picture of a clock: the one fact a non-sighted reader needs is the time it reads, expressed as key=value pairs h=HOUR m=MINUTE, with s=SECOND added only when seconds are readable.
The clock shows h=2 m=19
